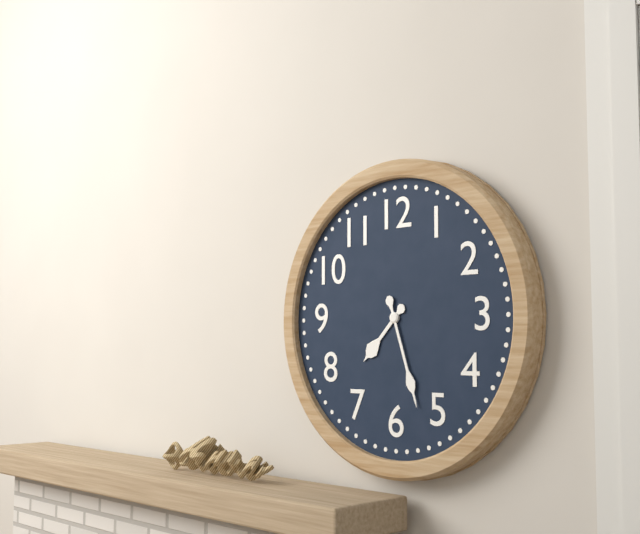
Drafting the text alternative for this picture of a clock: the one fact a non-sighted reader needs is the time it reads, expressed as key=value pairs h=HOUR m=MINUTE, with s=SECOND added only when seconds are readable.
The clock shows h=7 m=27
